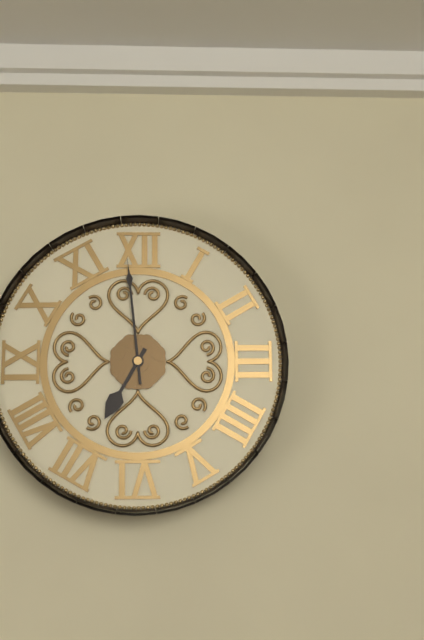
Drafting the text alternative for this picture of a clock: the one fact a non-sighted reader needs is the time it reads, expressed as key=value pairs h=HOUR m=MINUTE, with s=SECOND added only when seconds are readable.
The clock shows h=6 m=59
